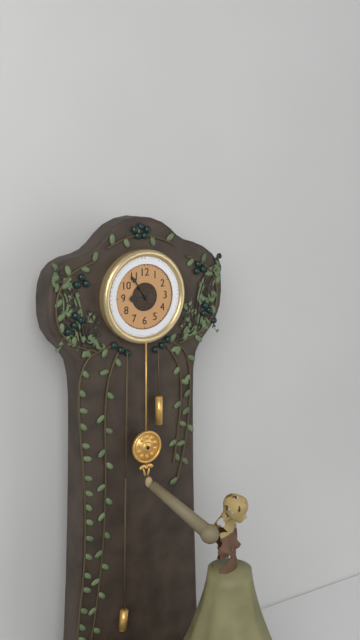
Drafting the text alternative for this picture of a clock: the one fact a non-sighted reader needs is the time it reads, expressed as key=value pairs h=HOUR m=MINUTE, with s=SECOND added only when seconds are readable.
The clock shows h=8 m=54
